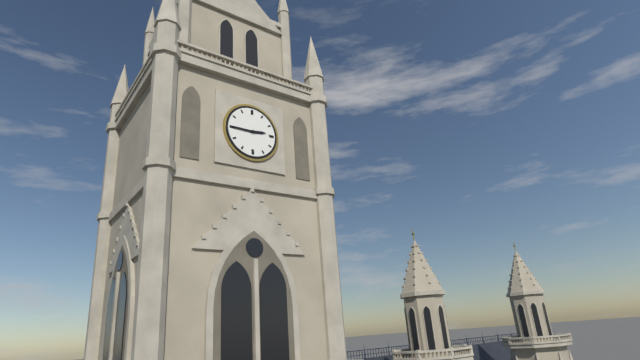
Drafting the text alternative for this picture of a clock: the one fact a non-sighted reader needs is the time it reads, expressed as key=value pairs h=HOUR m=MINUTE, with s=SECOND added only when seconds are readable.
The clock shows h=2 m=45
